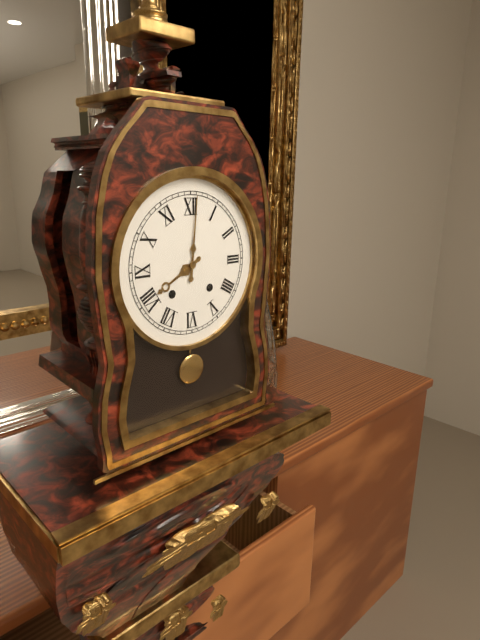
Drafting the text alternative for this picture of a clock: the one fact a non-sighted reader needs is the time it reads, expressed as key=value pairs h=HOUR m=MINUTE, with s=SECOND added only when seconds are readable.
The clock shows h=8 m=1
